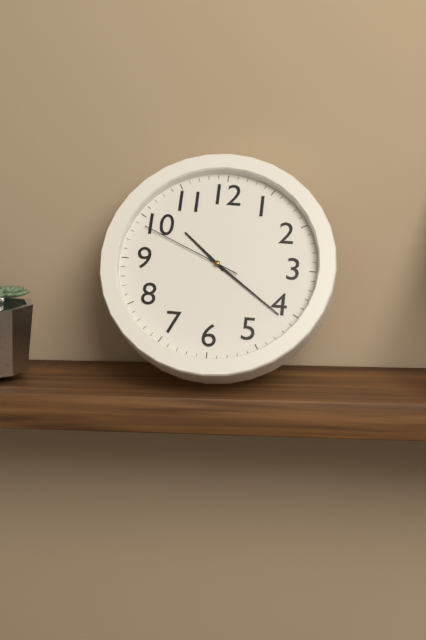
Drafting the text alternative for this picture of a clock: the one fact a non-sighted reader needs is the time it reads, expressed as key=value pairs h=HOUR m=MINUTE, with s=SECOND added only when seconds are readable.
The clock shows h=10 m=21 s=49
